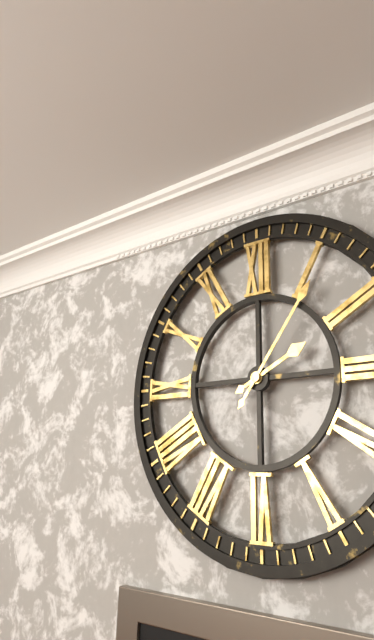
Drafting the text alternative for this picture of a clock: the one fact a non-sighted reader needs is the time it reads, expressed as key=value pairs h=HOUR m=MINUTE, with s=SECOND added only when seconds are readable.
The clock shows h=2 m=6
